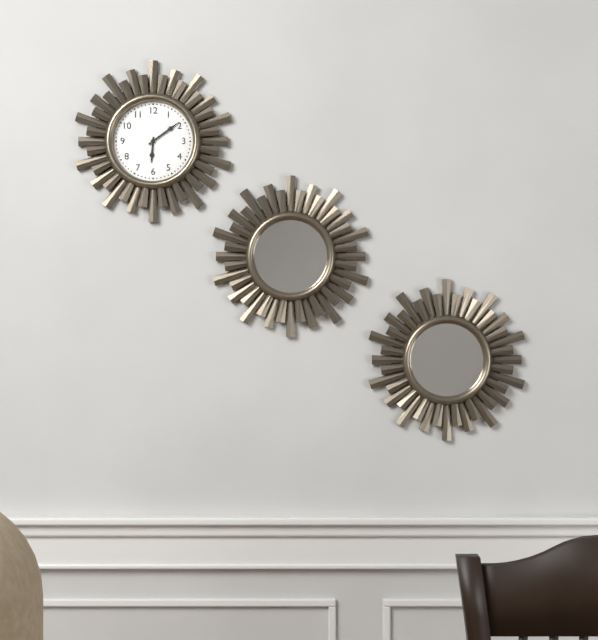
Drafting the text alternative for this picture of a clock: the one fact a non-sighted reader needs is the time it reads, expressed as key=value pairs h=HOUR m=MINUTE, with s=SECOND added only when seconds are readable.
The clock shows h=6 m=9
